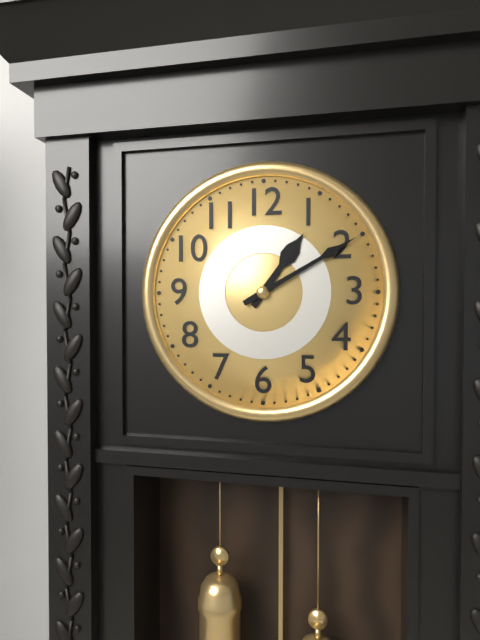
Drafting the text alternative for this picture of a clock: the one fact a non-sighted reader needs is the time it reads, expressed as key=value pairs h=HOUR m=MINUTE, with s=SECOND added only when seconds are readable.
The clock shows h=1 m=10
